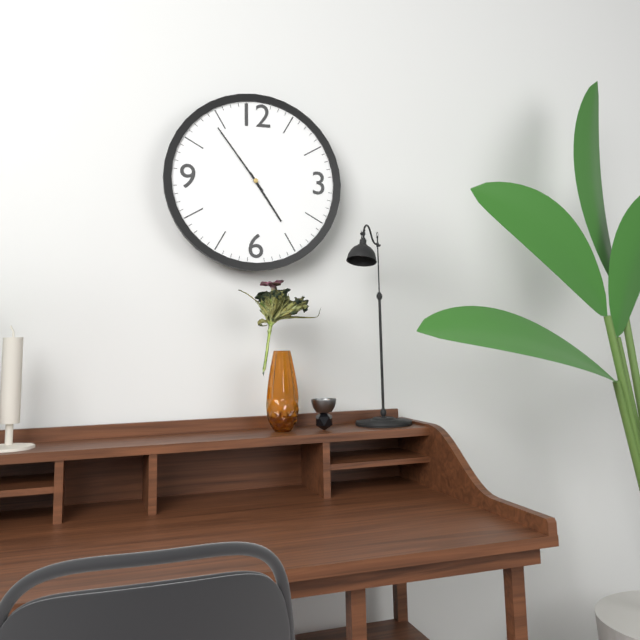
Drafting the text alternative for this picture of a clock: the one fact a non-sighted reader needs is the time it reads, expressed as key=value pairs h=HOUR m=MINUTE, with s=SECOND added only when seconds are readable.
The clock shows h=4 m=54
